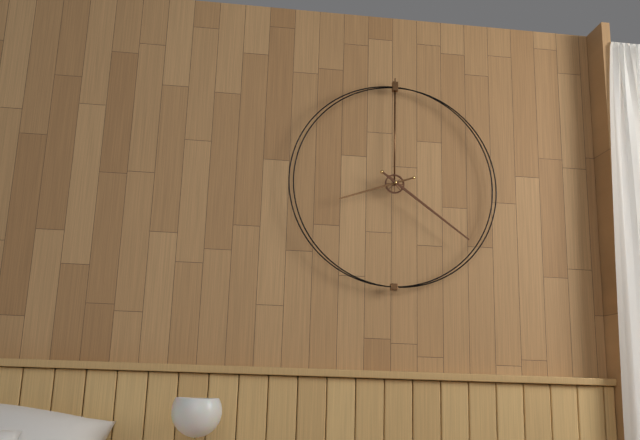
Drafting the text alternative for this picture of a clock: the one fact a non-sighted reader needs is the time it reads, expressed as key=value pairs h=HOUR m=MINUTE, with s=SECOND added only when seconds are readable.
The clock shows h=8 m=21
